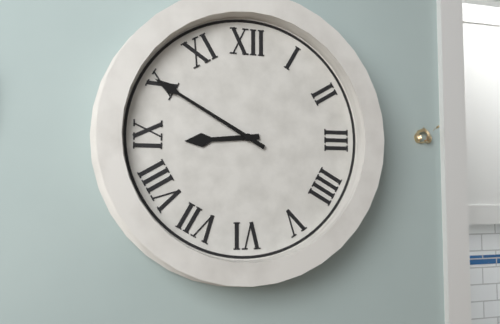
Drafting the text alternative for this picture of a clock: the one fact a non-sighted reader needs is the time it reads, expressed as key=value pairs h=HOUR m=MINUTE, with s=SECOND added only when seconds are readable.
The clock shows h=8 m=50
